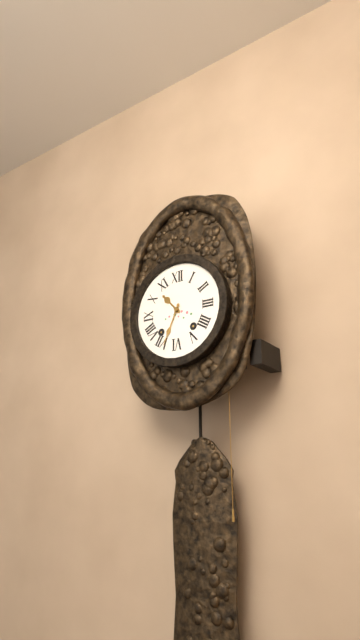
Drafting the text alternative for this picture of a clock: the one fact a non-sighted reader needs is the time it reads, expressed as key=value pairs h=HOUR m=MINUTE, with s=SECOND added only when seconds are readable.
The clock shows h=10 m=34
